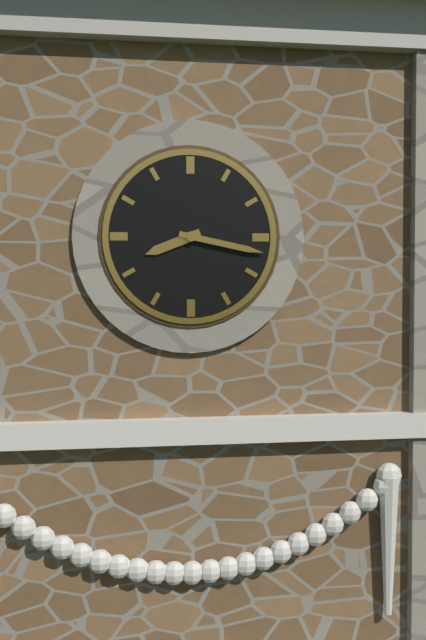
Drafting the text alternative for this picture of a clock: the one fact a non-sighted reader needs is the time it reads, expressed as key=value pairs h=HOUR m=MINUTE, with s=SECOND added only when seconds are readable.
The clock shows h=8 m=17
